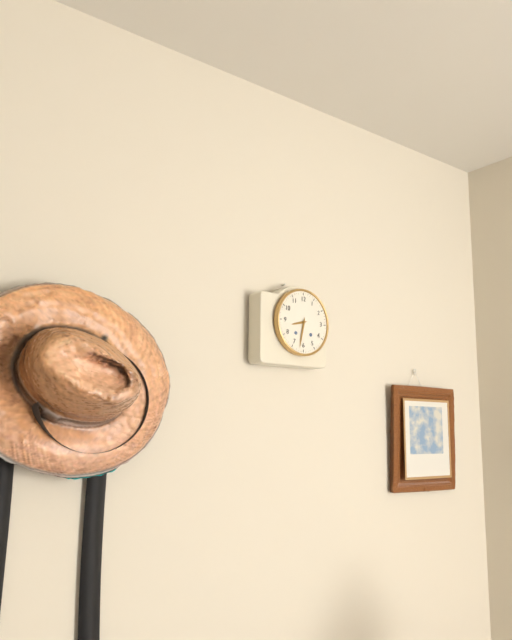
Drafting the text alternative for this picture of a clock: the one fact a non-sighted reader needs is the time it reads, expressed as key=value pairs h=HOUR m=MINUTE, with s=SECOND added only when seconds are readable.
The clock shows h=8 m=32
